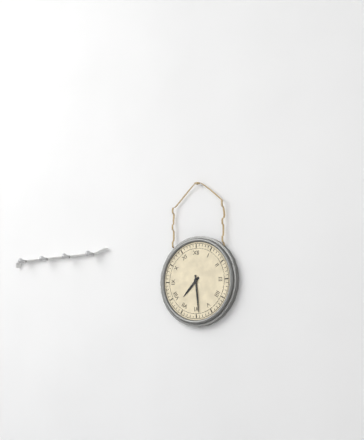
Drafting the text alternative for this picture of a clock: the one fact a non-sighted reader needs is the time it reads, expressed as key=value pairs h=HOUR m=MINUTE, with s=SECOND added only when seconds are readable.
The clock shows h=7 m=29
